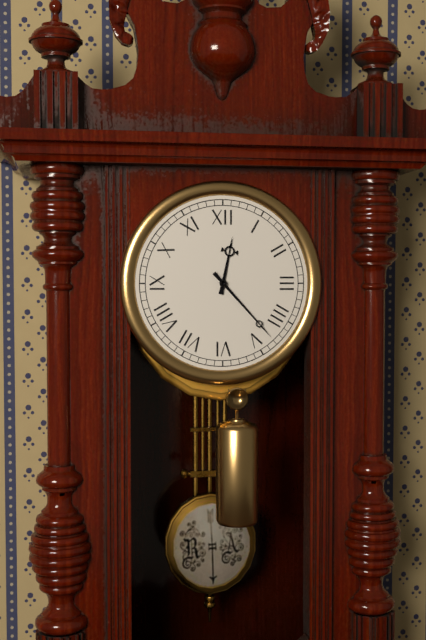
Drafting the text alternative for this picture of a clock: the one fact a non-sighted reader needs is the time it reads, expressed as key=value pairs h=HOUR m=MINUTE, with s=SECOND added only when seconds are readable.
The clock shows h=12 m=23
